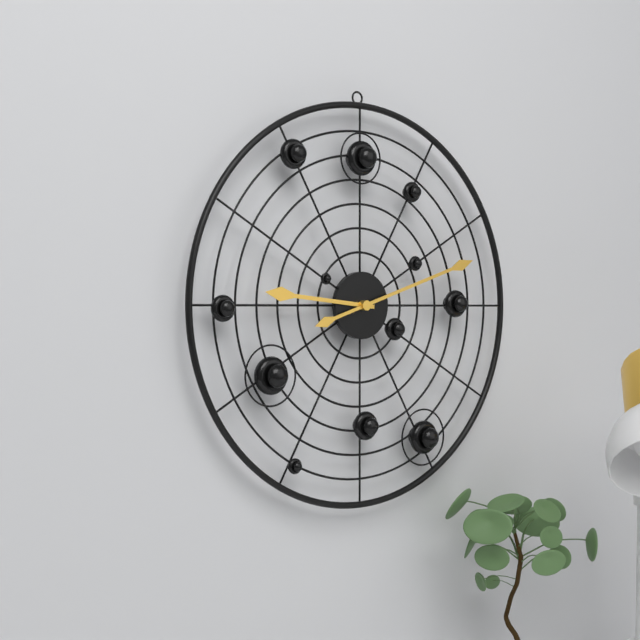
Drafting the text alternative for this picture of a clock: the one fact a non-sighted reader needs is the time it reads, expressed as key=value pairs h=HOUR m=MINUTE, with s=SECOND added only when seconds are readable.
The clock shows h=9 m=12
